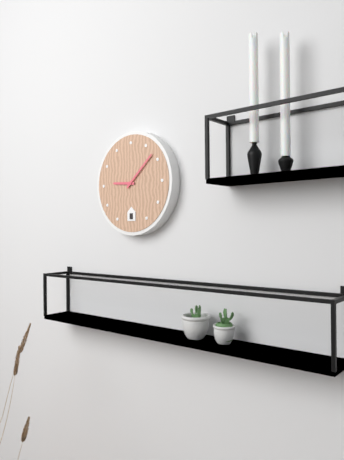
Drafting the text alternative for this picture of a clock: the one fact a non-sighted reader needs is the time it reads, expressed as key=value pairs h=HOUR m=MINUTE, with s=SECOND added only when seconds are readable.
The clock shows h=9 m=8
